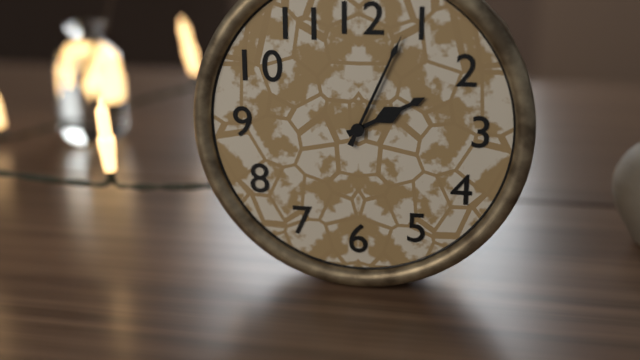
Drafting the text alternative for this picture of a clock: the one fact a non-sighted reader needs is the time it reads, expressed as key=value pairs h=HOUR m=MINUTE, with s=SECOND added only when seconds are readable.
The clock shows h=2 m=4
